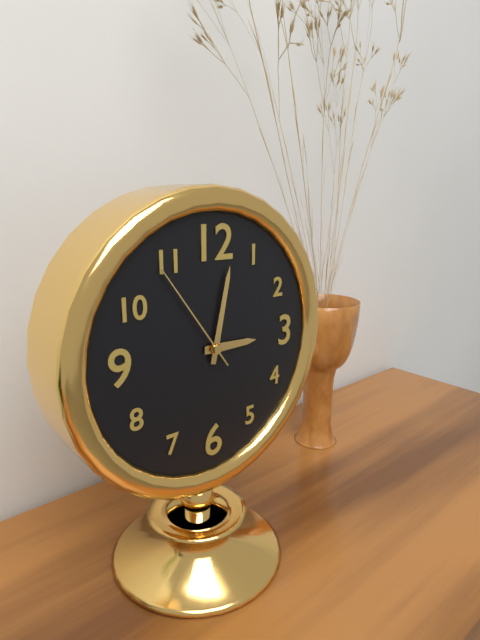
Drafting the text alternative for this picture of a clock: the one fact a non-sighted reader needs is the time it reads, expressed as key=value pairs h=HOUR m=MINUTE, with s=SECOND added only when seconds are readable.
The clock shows h=3 m=2 s=54
